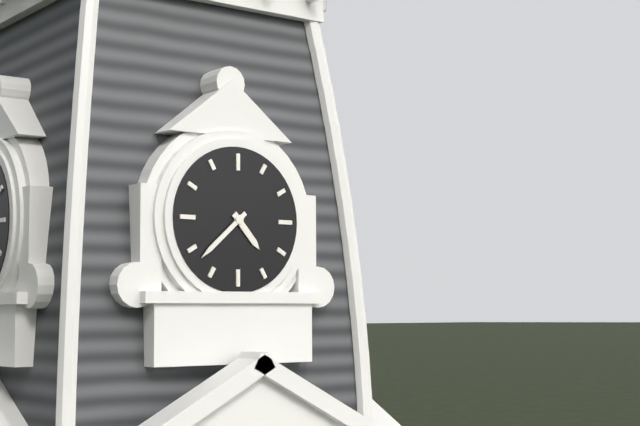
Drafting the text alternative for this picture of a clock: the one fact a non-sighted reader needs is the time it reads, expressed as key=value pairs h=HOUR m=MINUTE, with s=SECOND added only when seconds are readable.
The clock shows h=4 m=38
